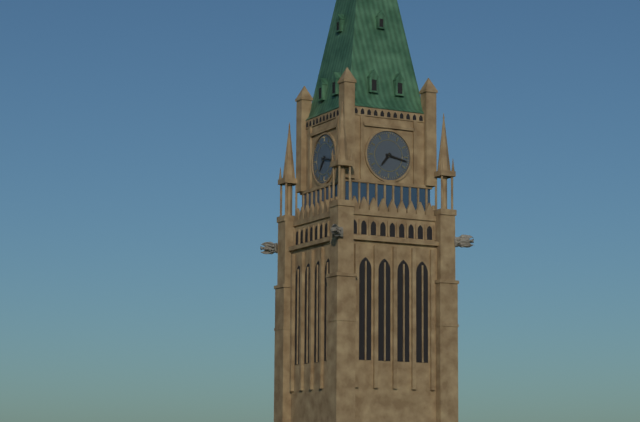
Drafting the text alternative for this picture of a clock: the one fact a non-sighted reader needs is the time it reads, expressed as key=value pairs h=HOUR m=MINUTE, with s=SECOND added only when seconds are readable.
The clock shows h=7 m=17
